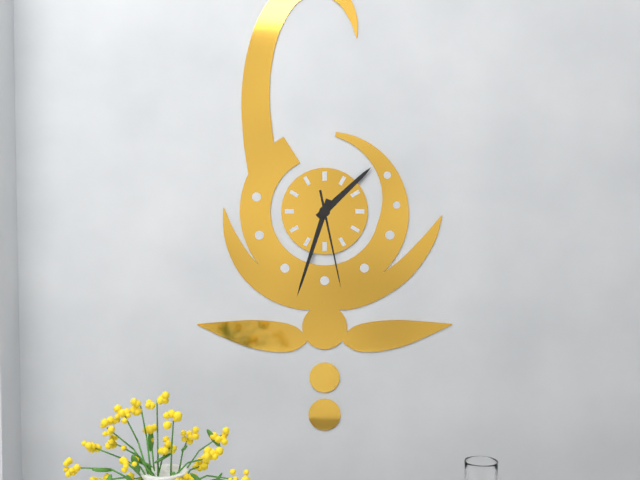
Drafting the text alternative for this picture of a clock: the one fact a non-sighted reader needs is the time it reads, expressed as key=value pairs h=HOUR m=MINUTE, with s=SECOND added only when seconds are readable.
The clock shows h=1 m=33 s=28
